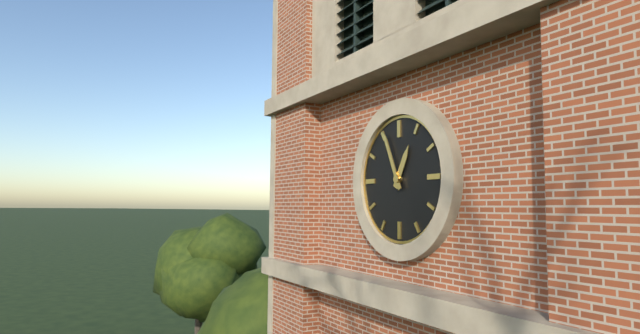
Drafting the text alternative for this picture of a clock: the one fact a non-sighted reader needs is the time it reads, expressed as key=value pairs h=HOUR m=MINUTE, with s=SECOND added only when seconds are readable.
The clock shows h=12 m=56
